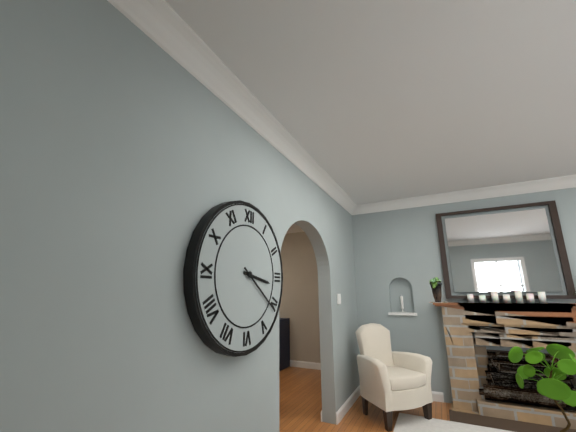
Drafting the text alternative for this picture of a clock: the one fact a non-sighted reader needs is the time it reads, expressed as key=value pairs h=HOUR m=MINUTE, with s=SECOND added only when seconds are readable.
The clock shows h=3 m=21
